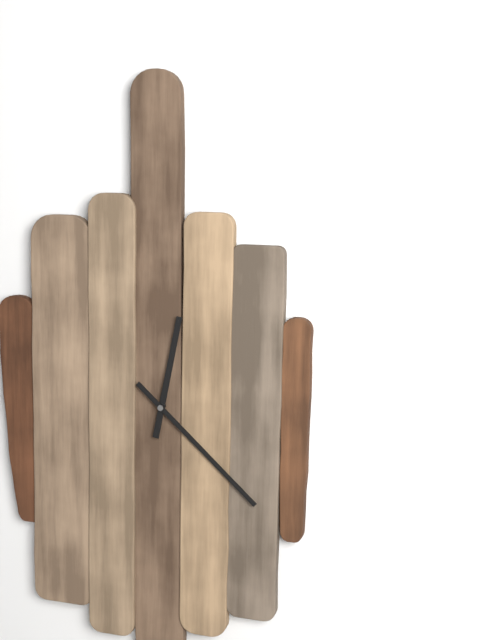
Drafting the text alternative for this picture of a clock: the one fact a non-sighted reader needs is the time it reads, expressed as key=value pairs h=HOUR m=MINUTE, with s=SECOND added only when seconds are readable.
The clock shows h=12 m=22
